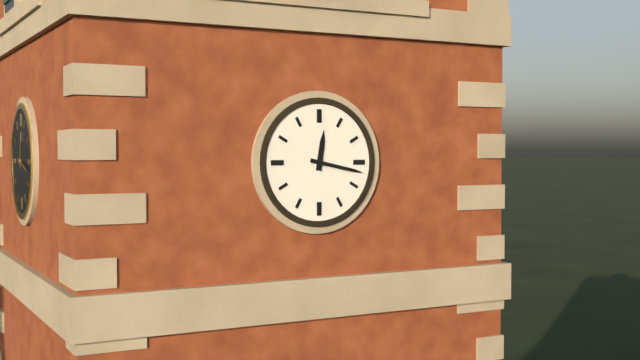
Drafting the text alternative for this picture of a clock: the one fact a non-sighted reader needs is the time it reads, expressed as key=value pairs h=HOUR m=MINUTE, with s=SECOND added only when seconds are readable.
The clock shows h=12 m=17
